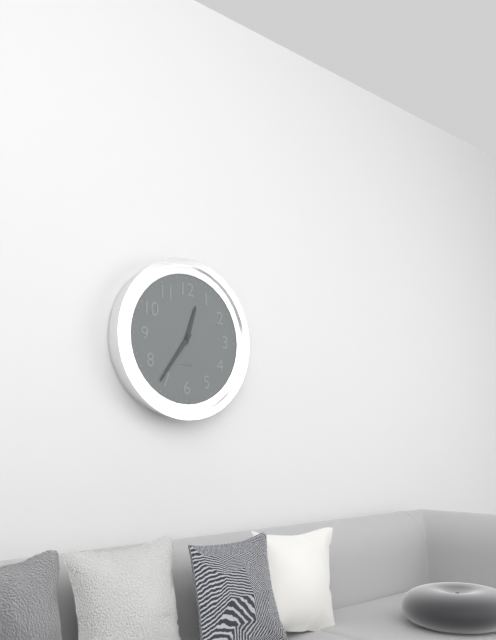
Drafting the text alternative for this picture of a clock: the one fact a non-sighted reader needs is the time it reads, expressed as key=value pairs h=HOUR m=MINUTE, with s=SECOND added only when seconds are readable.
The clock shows h=12 m=36
